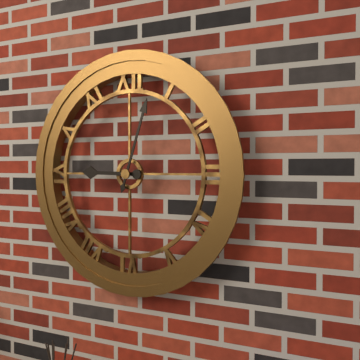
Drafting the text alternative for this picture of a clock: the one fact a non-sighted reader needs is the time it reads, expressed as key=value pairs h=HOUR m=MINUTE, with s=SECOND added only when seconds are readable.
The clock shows h=9 m=3
